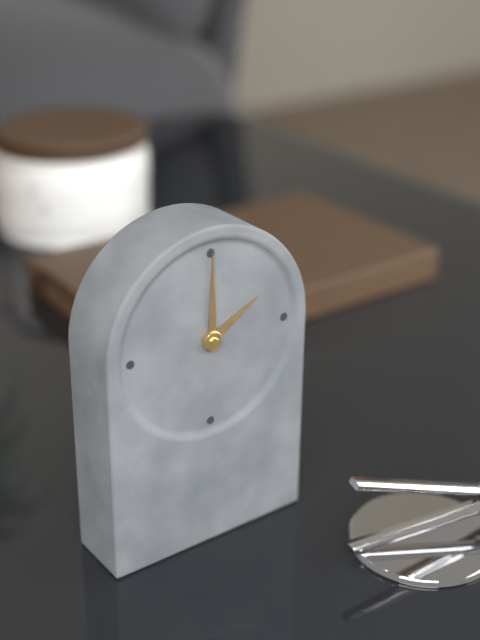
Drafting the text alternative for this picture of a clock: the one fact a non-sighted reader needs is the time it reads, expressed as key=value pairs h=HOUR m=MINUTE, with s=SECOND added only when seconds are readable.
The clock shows h=2 m=0
